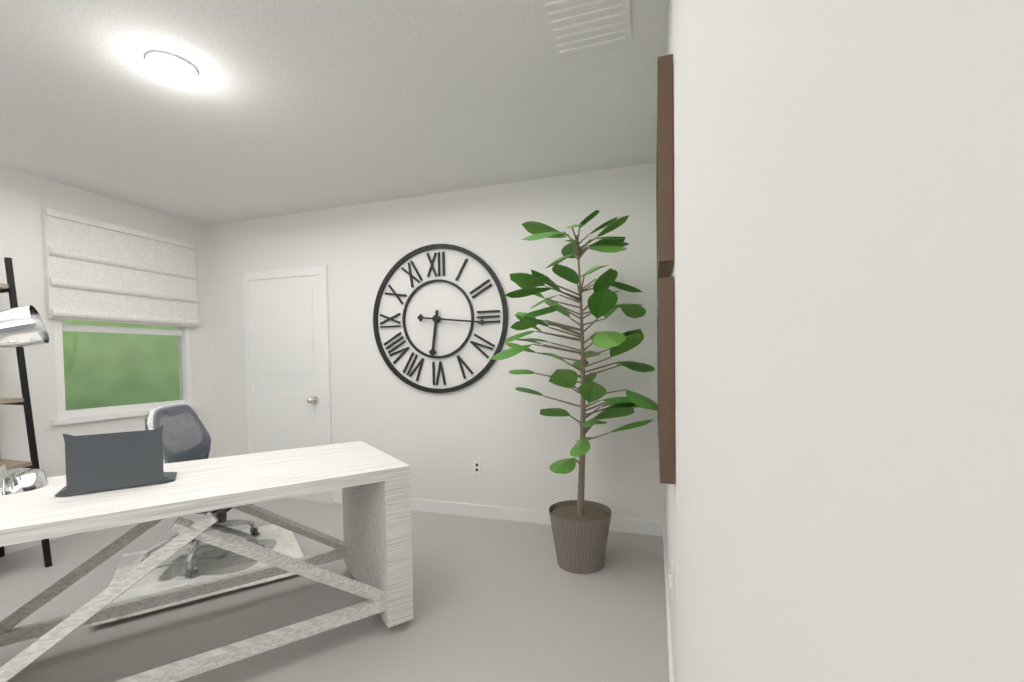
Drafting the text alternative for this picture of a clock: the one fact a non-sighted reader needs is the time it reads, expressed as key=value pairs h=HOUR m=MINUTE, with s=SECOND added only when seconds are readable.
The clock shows h=6 m=16
